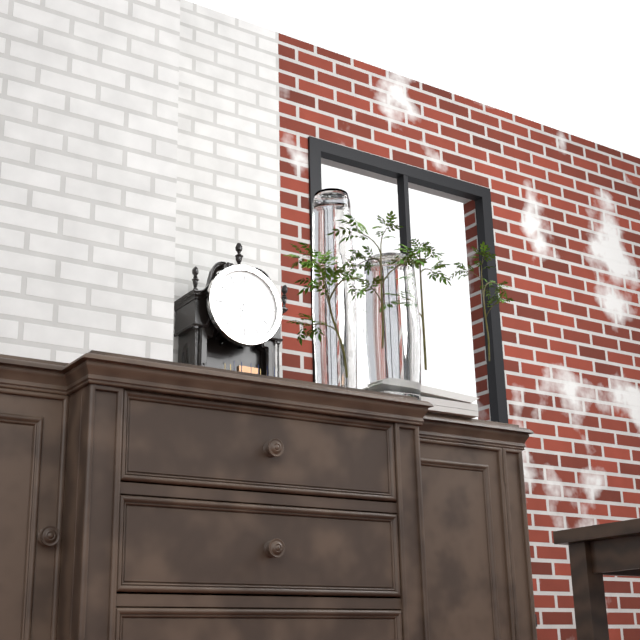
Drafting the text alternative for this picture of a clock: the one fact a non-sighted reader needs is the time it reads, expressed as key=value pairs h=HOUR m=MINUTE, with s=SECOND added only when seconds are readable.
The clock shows h=6 m=37
